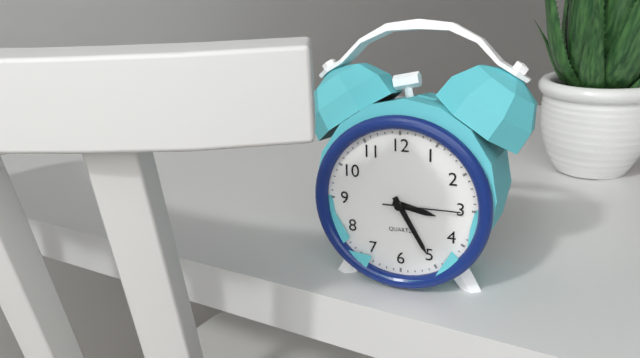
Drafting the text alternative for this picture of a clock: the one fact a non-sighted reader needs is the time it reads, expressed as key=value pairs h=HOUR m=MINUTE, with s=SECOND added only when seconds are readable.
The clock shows h=3 m=25 s=15
